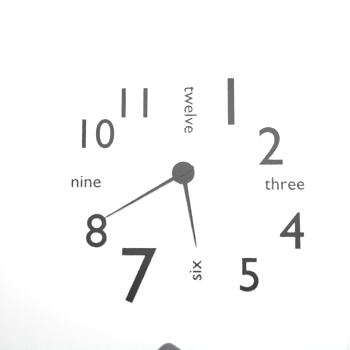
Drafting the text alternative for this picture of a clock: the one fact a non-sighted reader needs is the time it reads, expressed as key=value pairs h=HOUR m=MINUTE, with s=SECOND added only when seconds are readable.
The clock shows h=5 m=40
